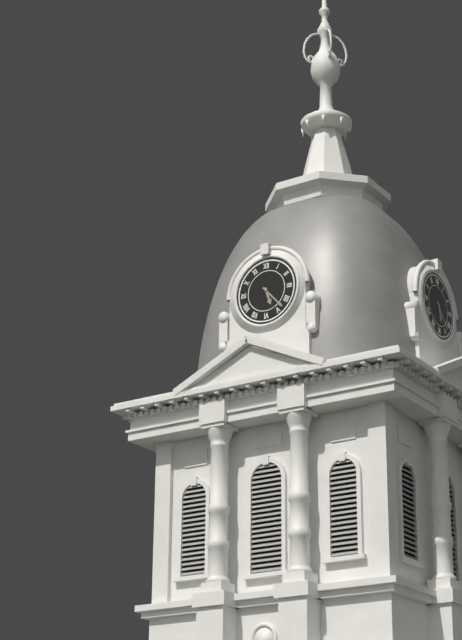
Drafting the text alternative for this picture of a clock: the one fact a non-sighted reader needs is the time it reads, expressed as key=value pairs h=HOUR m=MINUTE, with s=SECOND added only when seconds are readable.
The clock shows h=5 m=23
